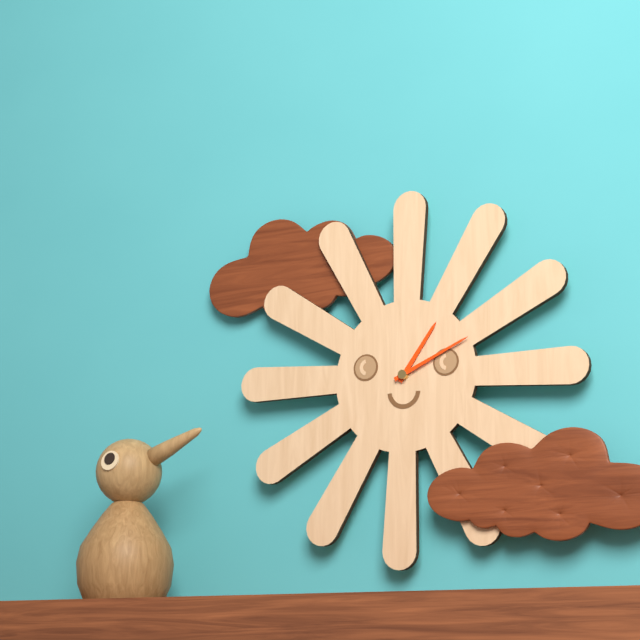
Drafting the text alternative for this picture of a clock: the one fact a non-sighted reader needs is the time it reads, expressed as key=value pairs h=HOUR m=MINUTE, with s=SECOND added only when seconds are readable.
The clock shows h=1 m=11
